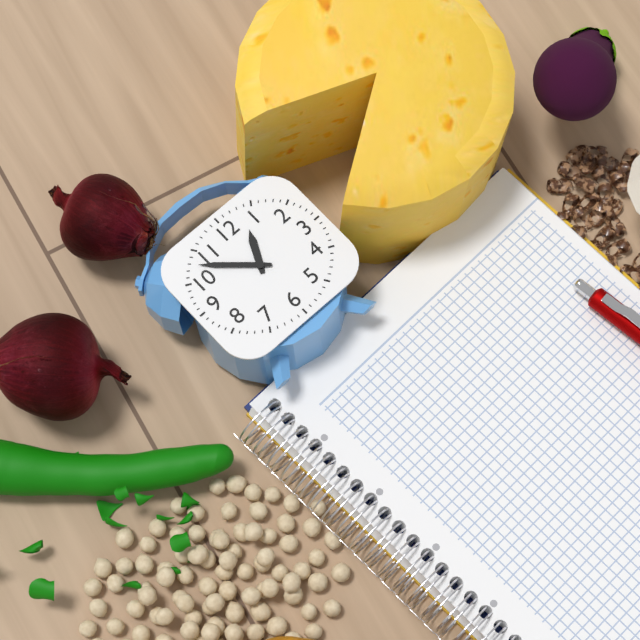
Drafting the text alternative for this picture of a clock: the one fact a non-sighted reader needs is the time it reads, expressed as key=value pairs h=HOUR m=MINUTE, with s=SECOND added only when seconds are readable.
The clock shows h=12 m=52
